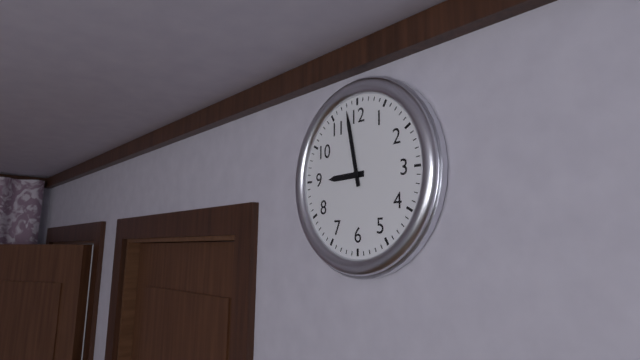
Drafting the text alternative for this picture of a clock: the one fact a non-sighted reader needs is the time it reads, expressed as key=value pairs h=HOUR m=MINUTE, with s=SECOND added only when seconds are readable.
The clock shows h=8 m=58
